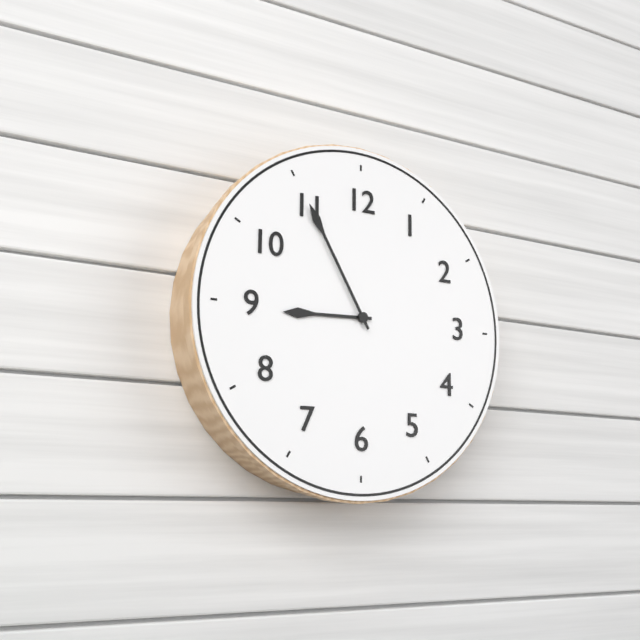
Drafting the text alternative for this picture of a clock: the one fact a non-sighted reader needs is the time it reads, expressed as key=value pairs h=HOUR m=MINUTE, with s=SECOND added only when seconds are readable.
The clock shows h=8 m=55
